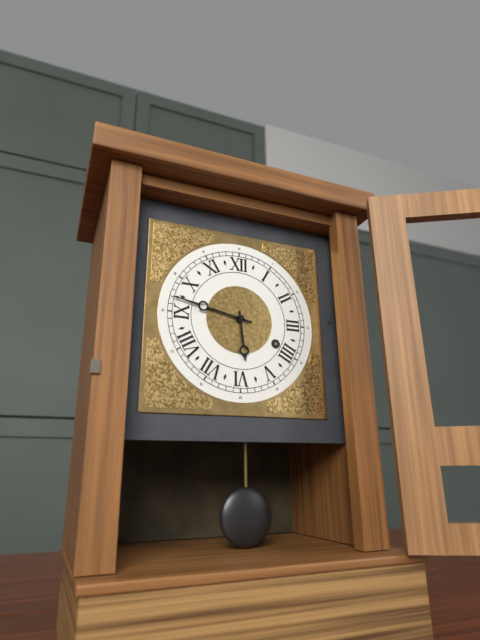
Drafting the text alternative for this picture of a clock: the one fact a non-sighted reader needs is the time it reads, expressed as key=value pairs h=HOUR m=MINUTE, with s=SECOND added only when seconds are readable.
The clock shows h=5 m=47
